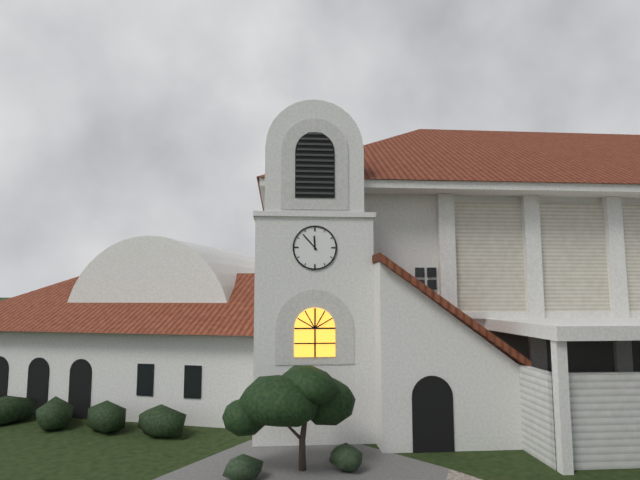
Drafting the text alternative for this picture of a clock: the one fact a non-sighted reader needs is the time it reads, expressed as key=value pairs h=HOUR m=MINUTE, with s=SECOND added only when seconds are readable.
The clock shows h=11 m=53
